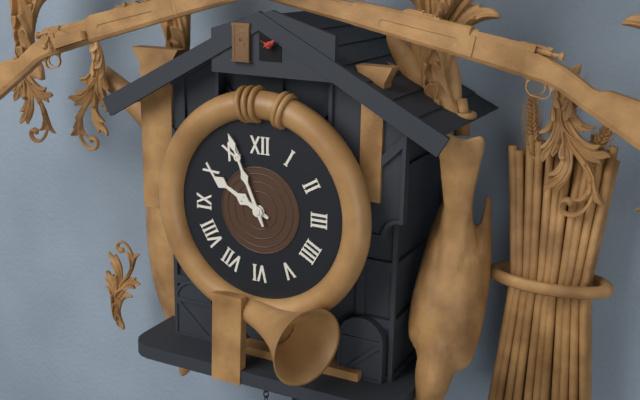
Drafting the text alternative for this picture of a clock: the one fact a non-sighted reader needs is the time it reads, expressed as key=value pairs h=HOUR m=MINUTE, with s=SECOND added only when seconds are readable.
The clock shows h=9 m=56
